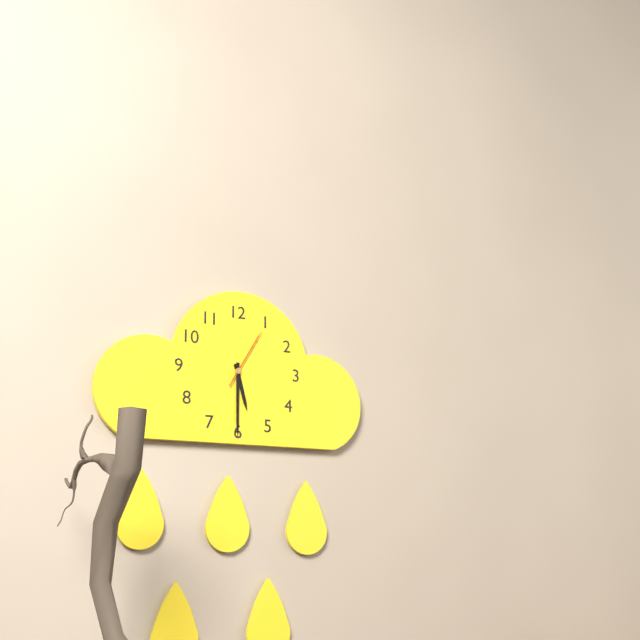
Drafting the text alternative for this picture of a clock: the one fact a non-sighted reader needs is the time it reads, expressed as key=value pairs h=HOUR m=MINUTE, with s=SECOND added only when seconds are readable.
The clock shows h=5 m=30 s=5
